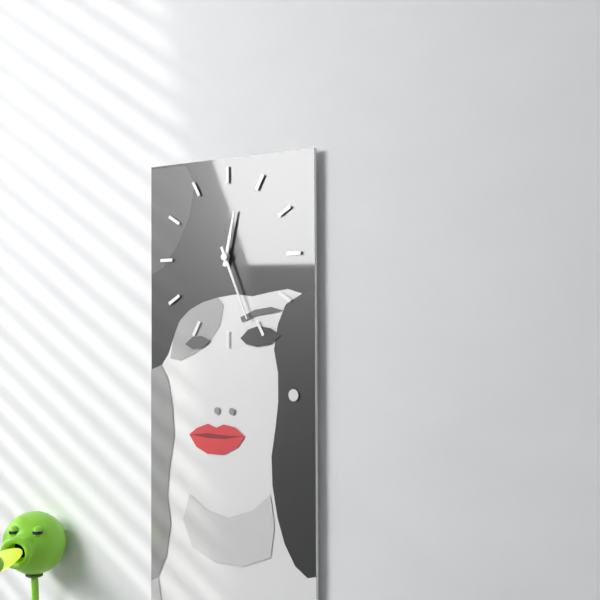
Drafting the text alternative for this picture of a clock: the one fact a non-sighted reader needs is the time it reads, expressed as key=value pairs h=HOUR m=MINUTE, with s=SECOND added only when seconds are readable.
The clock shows h=12 m=26
